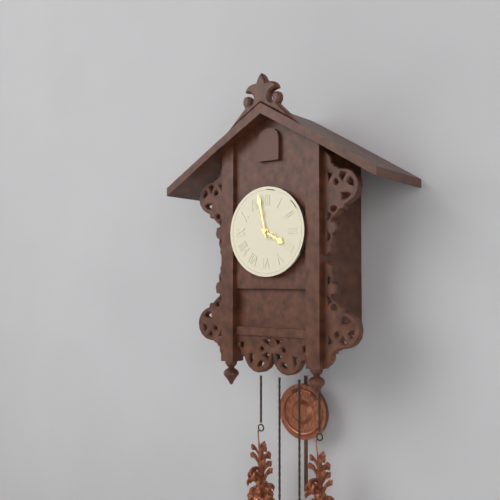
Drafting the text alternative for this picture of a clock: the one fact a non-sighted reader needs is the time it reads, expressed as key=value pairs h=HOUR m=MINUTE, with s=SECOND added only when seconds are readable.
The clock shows h=3 m=58
